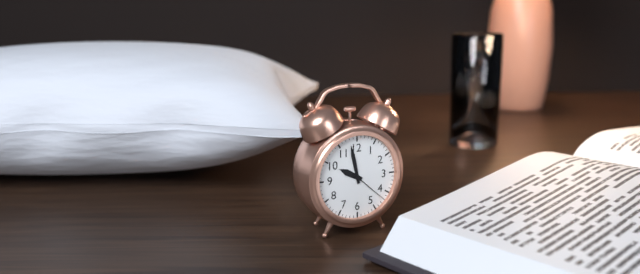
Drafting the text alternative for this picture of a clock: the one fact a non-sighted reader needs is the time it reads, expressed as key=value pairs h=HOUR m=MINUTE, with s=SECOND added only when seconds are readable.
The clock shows h=9 m=58
